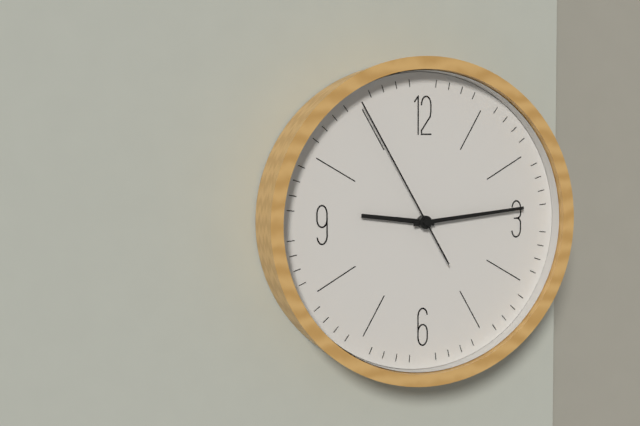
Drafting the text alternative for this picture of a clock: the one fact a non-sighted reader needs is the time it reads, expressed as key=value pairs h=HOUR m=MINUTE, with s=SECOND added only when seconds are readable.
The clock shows h=9 m=14 s=55
